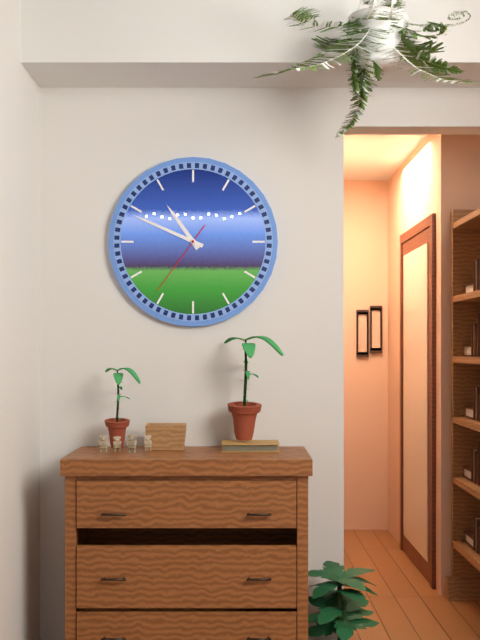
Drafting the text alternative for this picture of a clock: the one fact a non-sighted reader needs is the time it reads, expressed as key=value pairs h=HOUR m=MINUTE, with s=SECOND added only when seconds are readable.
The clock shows h=10 m=49 s=36
